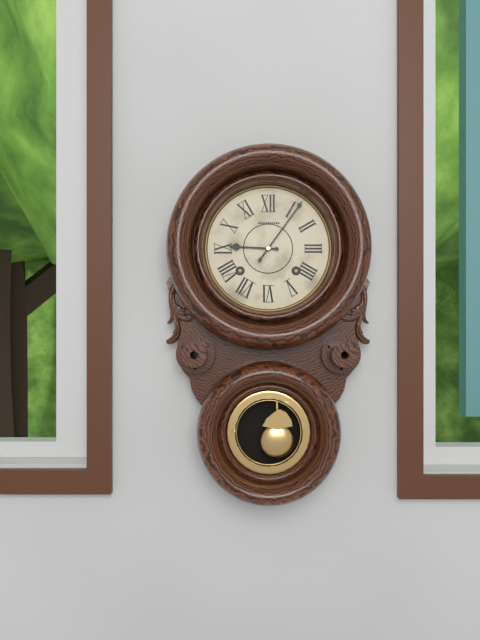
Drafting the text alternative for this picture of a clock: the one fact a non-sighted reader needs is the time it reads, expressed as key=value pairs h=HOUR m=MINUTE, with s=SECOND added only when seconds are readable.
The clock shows h=9 m=6
